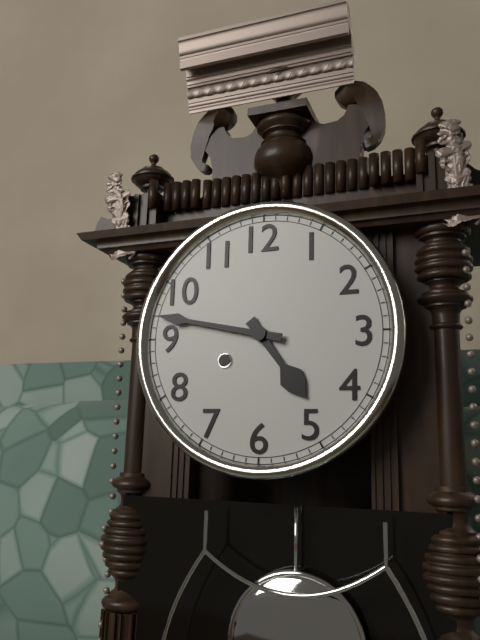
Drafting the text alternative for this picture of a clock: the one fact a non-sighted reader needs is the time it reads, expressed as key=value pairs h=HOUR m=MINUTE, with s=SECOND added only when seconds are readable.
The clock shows h=4 m=47
